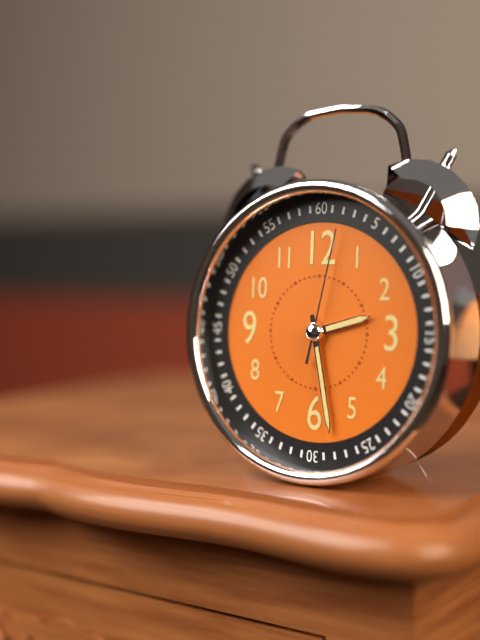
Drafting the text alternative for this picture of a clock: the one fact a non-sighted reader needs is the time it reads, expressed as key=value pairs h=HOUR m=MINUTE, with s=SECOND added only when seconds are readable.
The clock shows h=2 m=28 s=2
